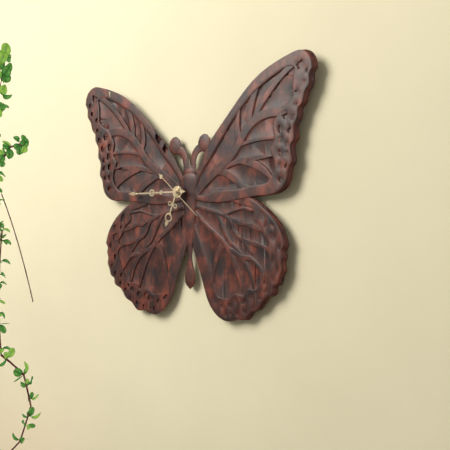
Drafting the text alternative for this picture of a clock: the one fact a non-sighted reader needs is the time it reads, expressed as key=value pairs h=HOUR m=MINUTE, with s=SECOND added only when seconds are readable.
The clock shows h=6 m=45
